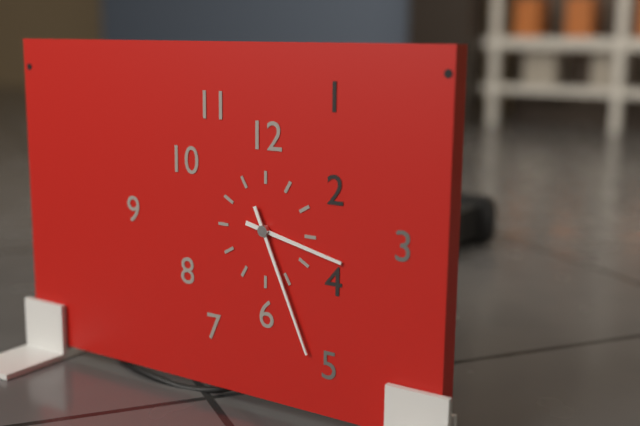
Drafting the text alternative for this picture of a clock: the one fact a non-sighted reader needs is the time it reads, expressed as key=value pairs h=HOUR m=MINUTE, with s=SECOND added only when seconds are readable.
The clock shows h=3 m=26
